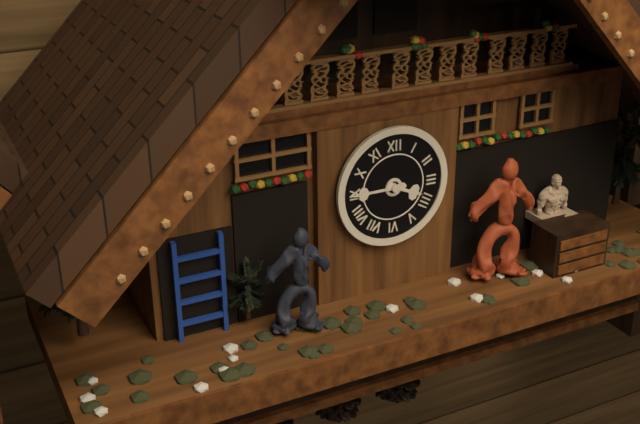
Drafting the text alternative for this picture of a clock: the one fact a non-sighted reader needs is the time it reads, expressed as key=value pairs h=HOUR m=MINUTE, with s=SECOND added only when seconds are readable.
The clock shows h=3 m=45
